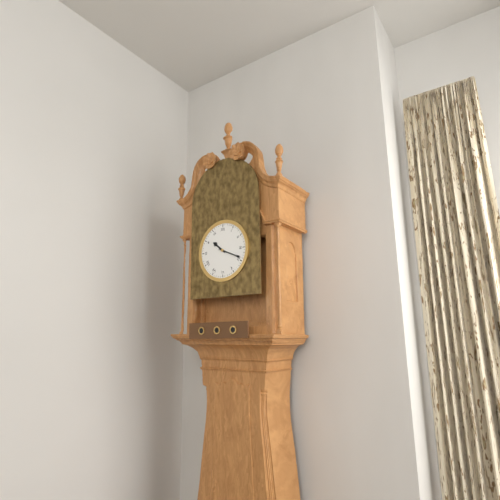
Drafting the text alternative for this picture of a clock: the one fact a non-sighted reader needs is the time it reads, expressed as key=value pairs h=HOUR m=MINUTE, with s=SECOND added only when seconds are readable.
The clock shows h=10 m=19
